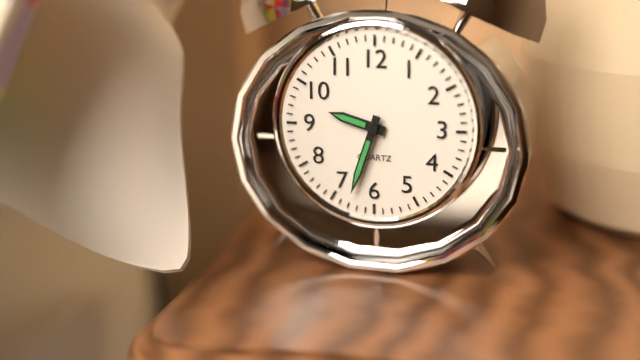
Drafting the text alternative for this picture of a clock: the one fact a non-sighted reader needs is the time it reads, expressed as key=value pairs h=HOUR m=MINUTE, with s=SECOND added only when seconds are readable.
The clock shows h=9 m=33
